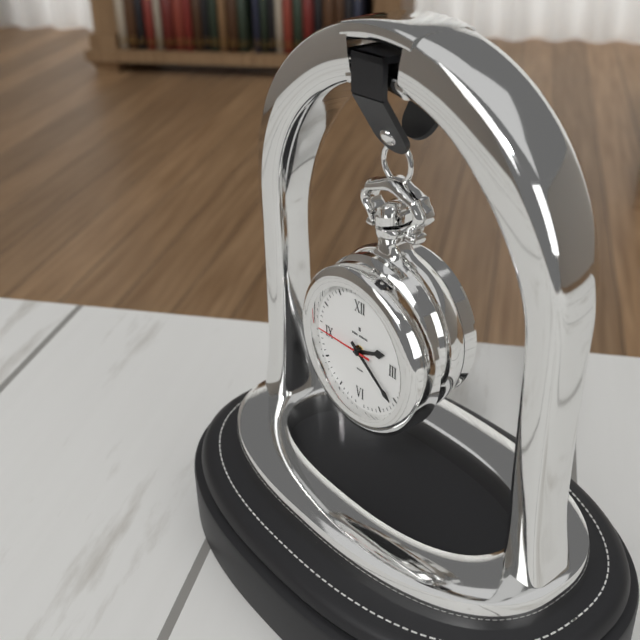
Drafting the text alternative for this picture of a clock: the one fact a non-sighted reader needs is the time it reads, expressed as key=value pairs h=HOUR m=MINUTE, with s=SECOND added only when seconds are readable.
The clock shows h=2 m=21 s=45
